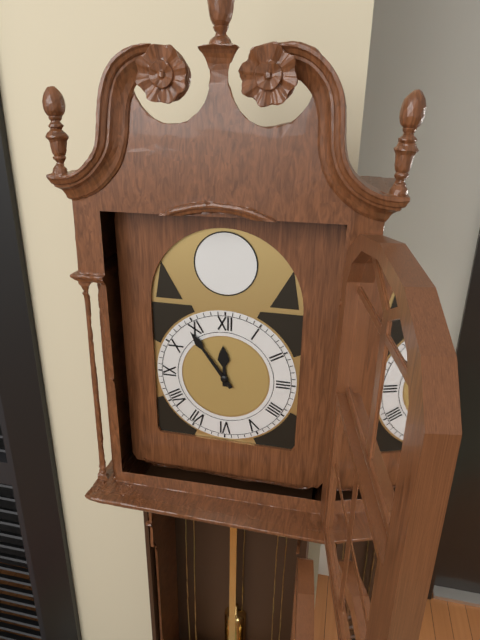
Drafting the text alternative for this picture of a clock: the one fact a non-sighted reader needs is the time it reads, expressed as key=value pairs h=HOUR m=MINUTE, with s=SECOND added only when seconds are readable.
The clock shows h=11 m=54
